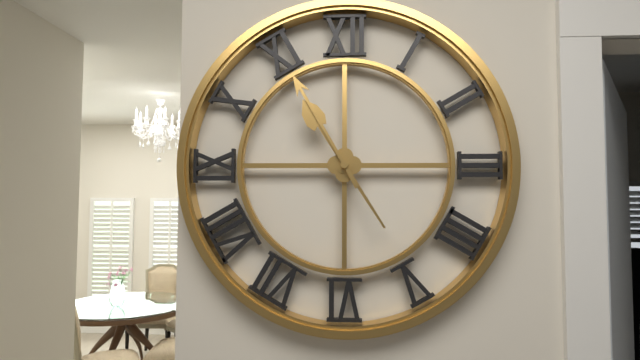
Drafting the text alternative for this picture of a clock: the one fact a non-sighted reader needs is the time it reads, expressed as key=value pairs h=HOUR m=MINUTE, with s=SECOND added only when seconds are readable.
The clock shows h=10 m=55
